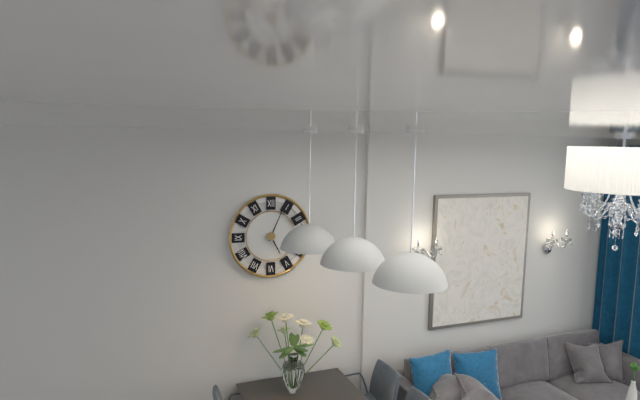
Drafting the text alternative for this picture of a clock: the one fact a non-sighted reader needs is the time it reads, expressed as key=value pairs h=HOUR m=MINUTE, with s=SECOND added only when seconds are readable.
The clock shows h=5 m=4
